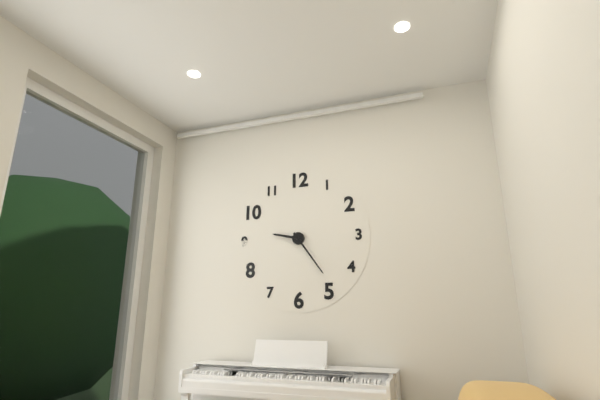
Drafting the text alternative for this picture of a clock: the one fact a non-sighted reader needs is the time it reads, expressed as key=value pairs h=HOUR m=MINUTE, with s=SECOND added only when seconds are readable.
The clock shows h=9 m=24
